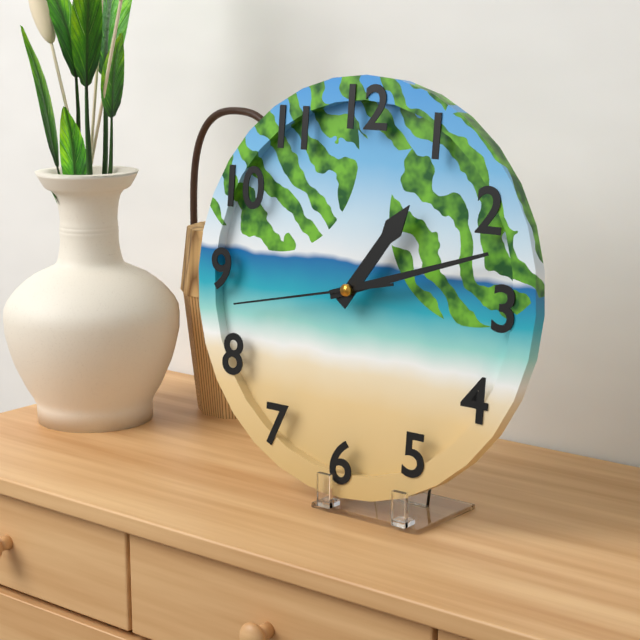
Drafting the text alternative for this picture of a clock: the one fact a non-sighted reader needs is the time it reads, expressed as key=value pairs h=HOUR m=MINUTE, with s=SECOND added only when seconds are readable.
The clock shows h=1 m=12 s=43
